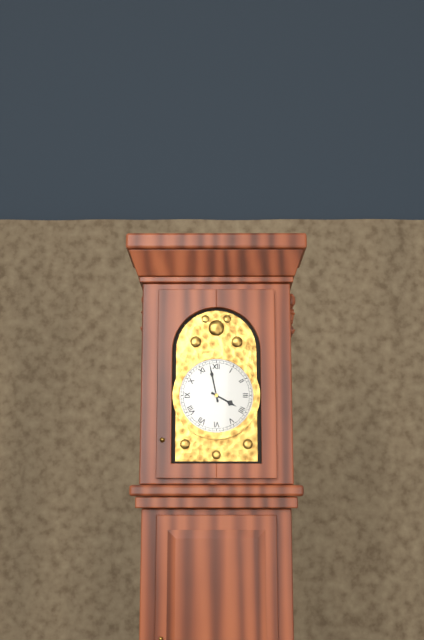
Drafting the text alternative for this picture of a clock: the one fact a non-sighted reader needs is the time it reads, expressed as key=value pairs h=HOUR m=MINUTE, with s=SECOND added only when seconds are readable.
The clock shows h=3 m=58
